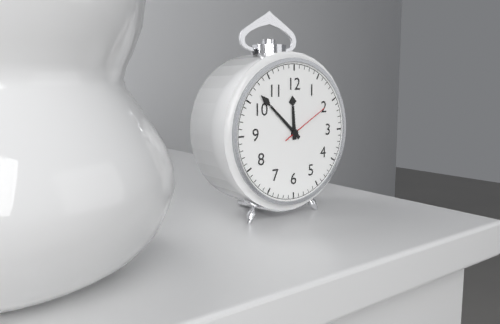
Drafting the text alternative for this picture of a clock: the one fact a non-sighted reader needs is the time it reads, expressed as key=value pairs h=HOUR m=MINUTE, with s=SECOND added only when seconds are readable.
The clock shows h=11 m=52
